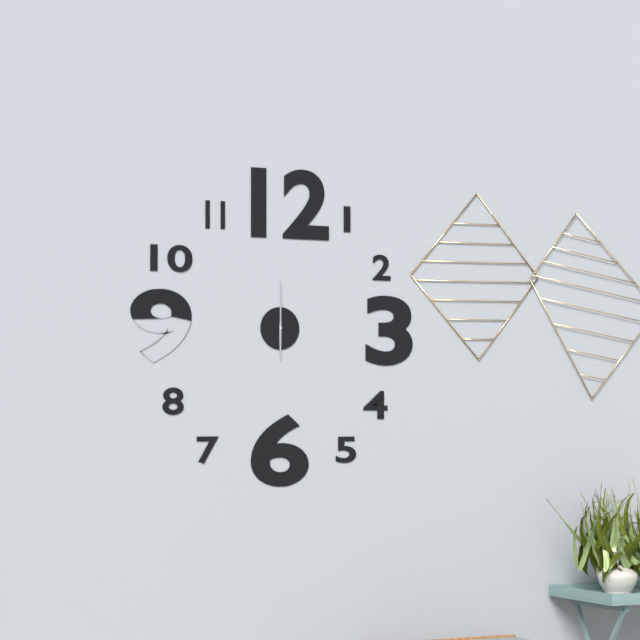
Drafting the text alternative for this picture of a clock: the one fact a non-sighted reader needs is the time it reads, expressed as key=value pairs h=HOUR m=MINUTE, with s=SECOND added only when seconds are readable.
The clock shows h=6 m=0
